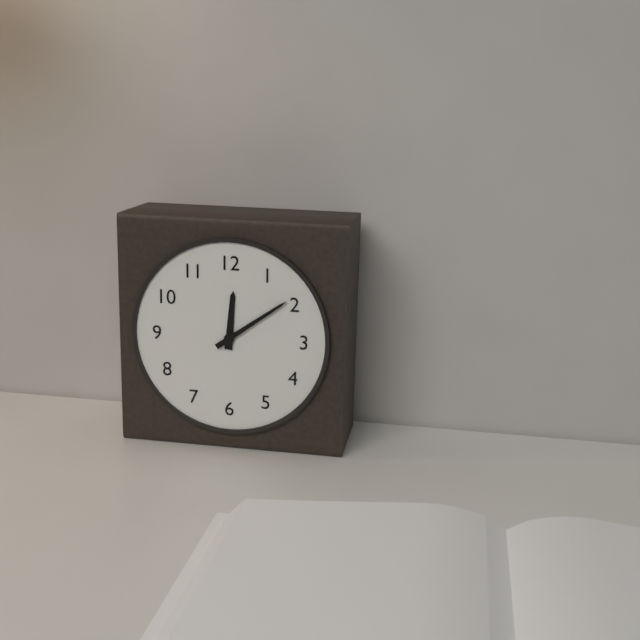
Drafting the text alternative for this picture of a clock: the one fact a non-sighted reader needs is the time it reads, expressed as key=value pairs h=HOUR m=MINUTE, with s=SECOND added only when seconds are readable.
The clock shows h=12 m=9
